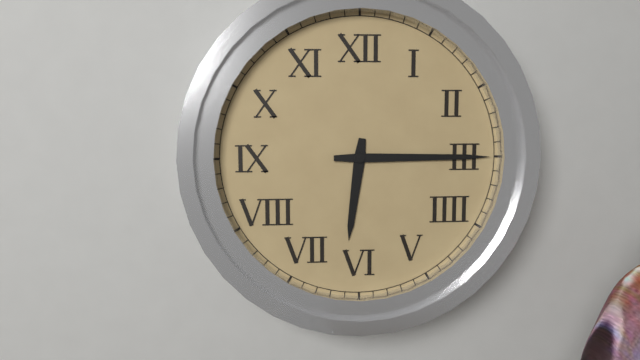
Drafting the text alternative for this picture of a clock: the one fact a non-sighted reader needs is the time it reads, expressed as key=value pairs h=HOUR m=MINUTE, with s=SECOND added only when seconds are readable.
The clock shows h=6 m=15
